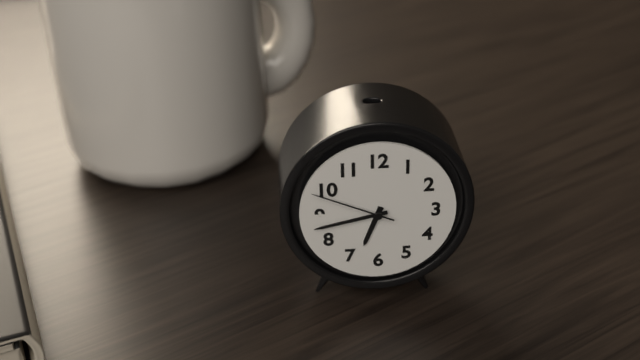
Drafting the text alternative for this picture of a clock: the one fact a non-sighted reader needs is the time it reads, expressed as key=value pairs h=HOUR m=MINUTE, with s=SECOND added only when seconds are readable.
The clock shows h=6 m=43 s=49
